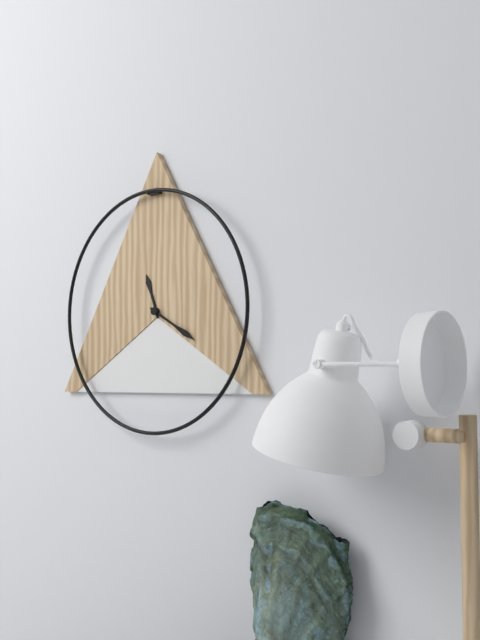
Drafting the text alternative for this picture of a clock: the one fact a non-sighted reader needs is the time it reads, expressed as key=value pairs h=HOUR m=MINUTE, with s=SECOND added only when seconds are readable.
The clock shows h=11 m=20
